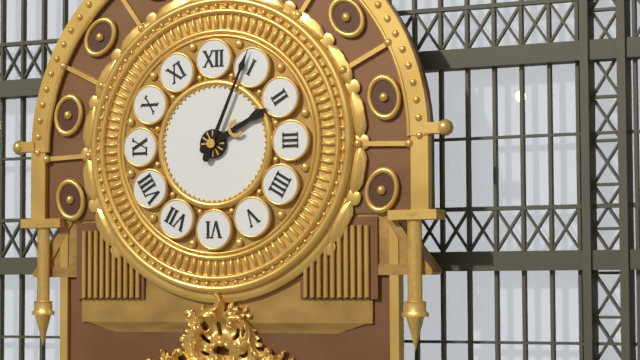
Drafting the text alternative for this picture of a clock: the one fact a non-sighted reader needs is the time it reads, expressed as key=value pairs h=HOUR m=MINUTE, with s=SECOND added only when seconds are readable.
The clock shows h=2 m=4
